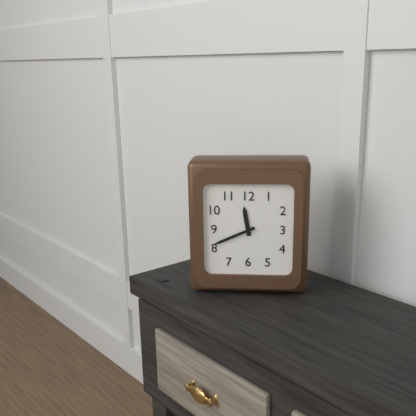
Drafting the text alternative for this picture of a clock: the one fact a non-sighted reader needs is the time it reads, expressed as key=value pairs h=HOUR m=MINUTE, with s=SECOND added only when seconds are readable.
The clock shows h=11 m=41
